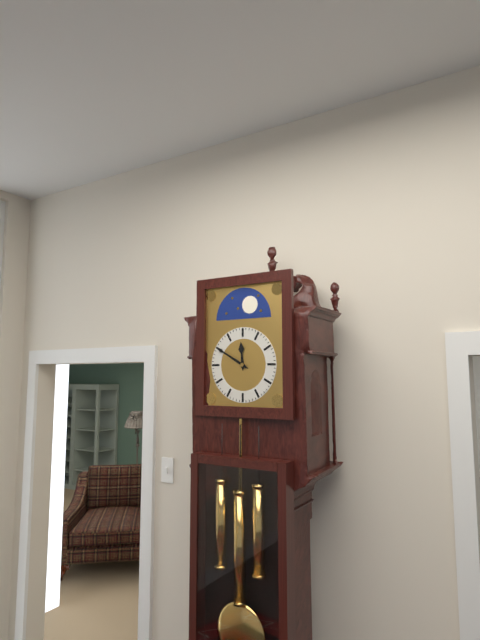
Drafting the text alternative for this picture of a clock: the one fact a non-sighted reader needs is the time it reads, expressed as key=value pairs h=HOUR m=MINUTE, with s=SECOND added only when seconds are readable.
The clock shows h=11 m=50
